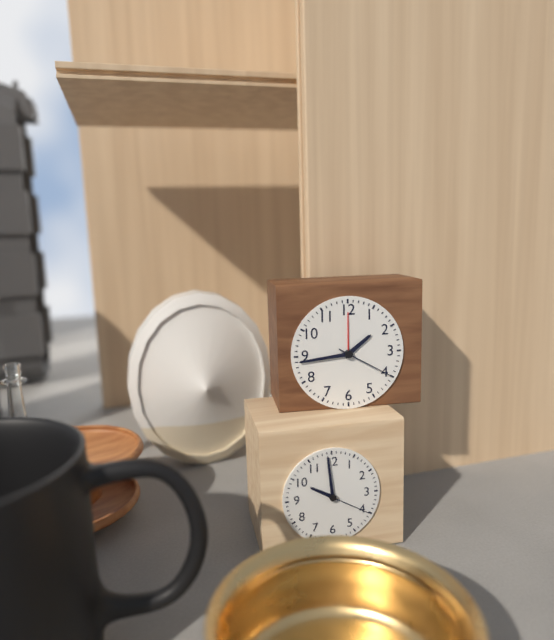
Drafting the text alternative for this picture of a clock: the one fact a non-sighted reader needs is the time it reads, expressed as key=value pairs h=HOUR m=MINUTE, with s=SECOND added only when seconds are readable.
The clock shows h=1 m=44 s=20
